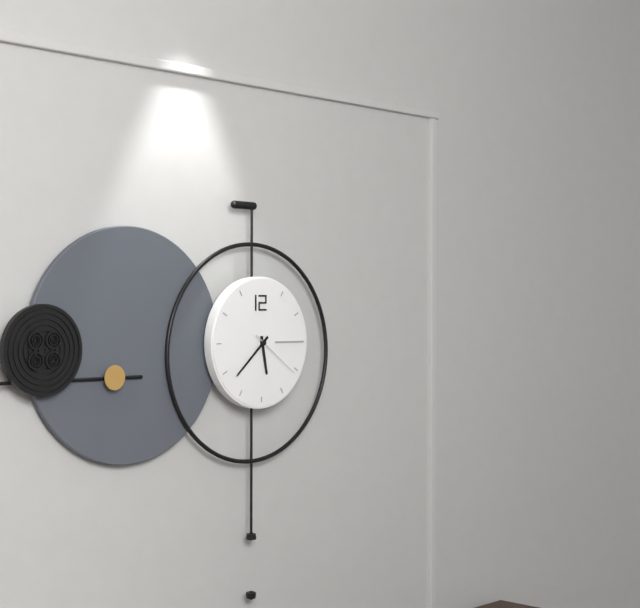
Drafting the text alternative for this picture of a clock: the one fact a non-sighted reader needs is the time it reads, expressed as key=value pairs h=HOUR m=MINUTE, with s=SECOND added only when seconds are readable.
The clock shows h=5 m=38 s=21
